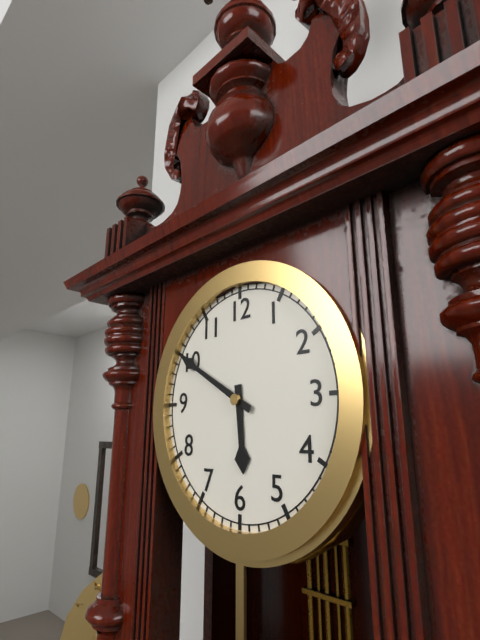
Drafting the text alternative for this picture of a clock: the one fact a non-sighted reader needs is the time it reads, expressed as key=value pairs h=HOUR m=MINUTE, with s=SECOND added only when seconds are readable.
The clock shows h=5 m=50
